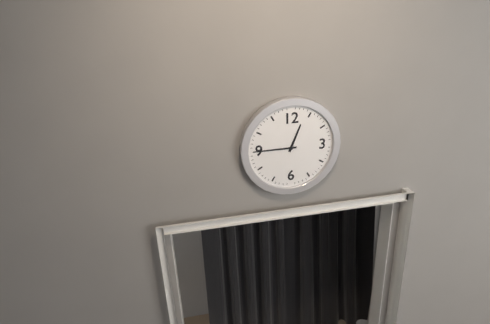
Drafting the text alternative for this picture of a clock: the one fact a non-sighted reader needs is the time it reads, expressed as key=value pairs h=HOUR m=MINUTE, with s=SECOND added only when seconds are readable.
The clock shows h=12 m=45
